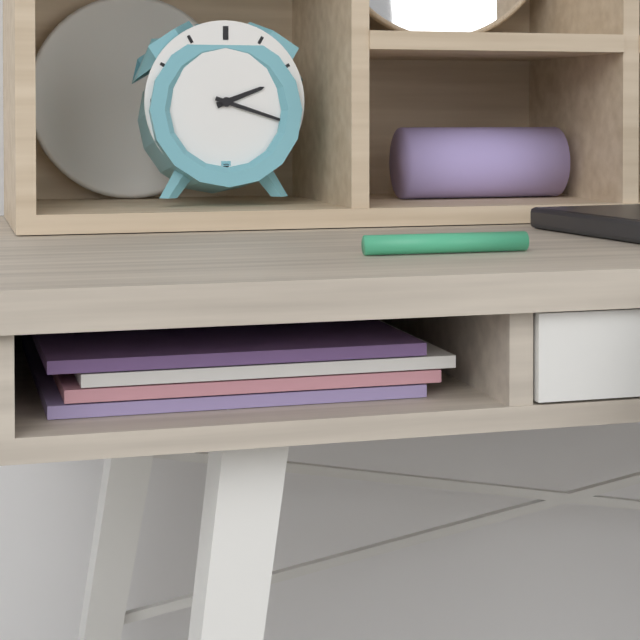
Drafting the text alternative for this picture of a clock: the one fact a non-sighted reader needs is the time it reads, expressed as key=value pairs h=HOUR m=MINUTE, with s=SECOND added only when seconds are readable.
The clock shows h=2 m=18
